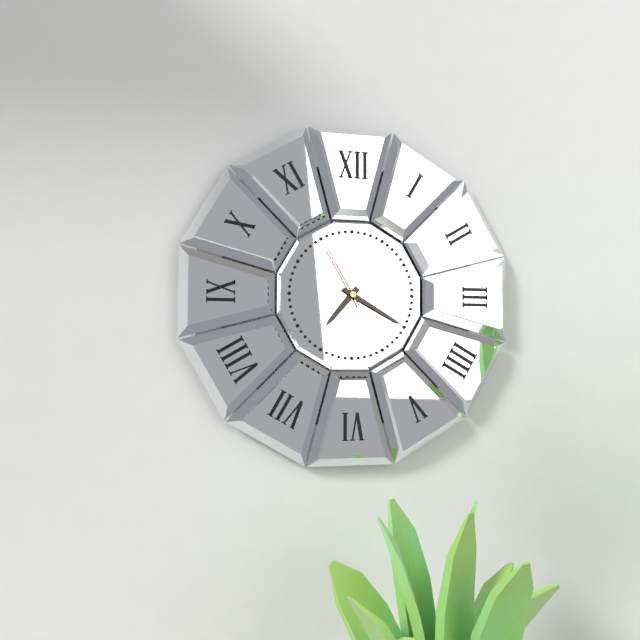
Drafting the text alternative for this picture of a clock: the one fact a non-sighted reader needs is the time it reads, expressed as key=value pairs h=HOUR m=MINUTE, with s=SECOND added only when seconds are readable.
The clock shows h=7 m=20 s=55
